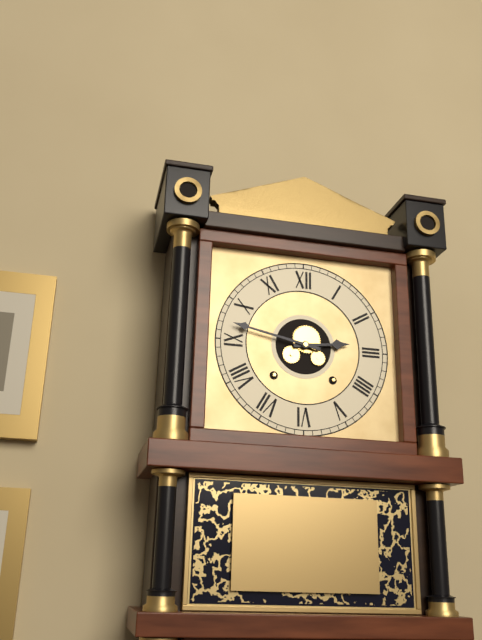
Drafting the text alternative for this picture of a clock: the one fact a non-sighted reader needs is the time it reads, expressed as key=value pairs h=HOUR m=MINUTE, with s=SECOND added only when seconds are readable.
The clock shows h=2 m=47
